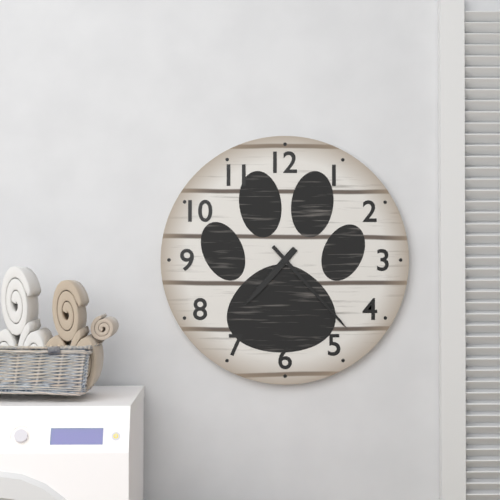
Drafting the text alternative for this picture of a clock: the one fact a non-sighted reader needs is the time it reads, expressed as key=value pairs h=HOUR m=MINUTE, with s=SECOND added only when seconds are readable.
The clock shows h=7 m=23
